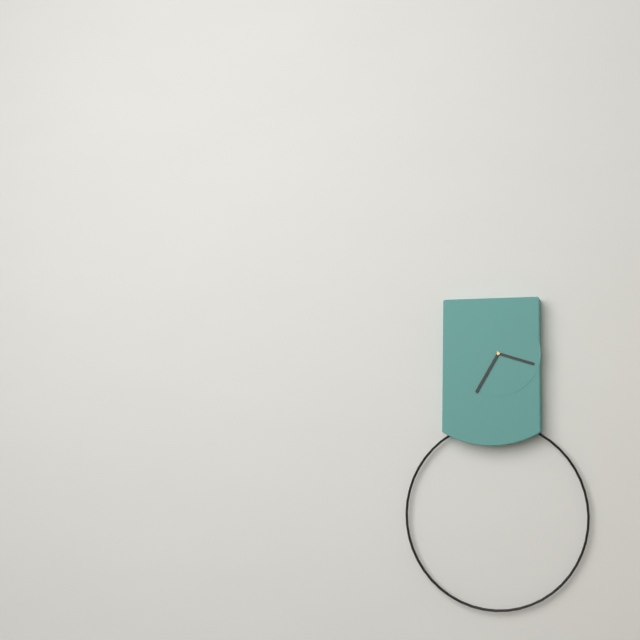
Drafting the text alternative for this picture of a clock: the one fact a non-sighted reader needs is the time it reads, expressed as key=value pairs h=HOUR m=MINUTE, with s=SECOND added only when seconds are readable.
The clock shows h=3 m=35
